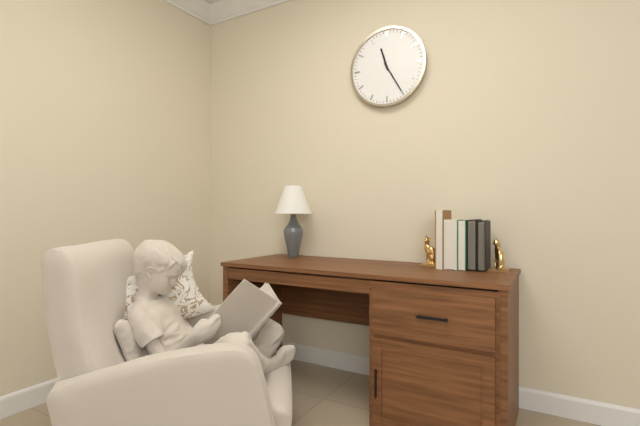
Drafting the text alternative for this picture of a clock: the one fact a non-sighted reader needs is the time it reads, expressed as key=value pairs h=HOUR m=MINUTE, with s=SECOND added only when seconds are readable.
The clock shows h=11 m=25
